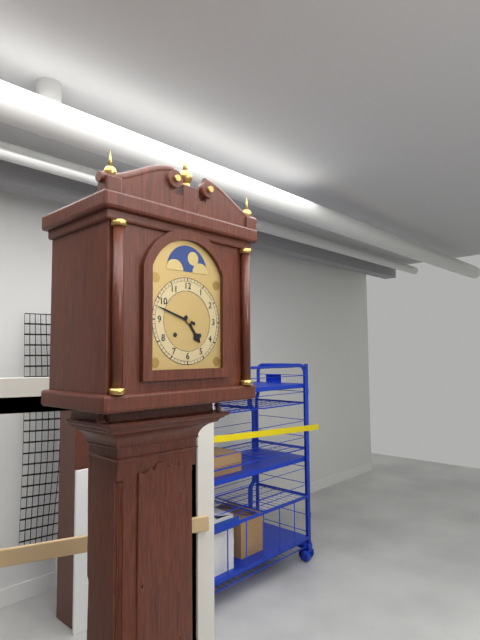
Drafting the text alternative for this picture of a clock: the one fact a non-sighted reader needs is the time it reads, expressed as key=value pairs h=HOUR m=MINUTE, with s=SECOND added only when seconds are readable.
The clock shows h=4 m=48
